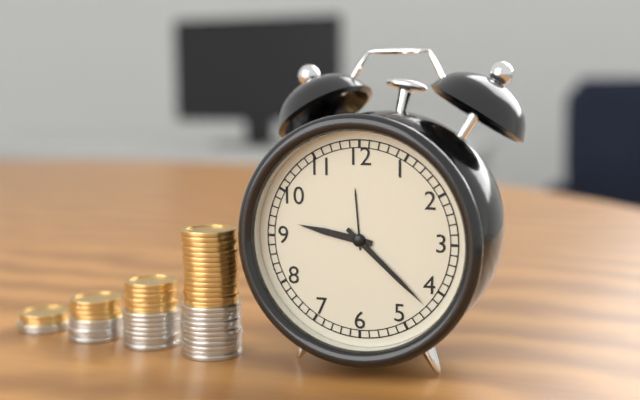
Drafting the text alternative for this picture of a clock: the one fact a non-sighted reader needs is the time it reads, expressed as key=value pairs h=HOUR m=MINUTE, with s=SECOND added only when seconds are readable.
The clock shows h=9 m=22
